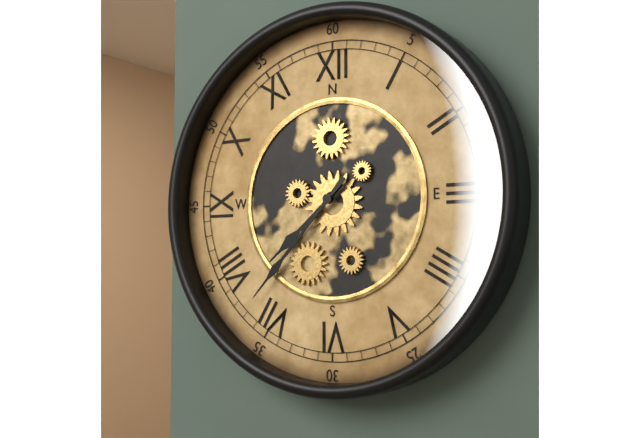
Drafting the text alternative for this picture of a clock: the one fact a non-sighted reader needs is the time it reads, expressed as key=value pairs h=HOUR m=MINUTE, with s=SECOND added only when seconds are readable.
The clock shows h=7 m=37
